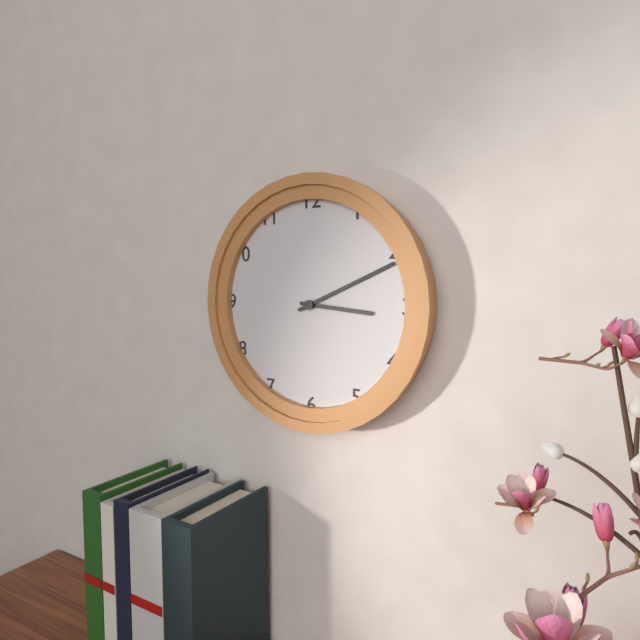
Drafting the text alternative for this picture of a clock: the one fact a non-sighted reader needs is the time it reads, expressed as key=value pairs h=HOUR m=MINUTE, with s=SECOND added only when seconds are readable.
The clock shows h=3 m=11
